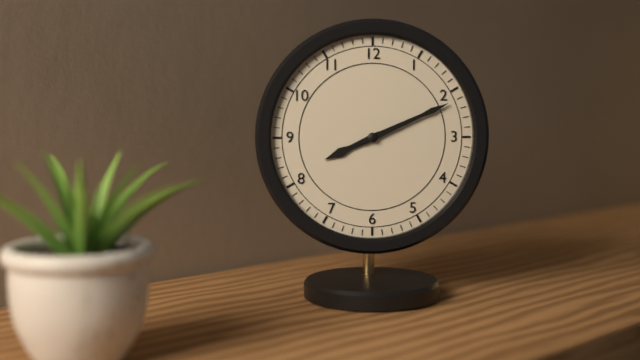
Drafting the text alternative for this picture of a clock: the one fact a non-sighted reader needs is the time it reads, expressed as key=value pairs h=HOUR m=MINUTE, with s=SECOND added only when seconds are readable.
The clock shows h=8 m=11
